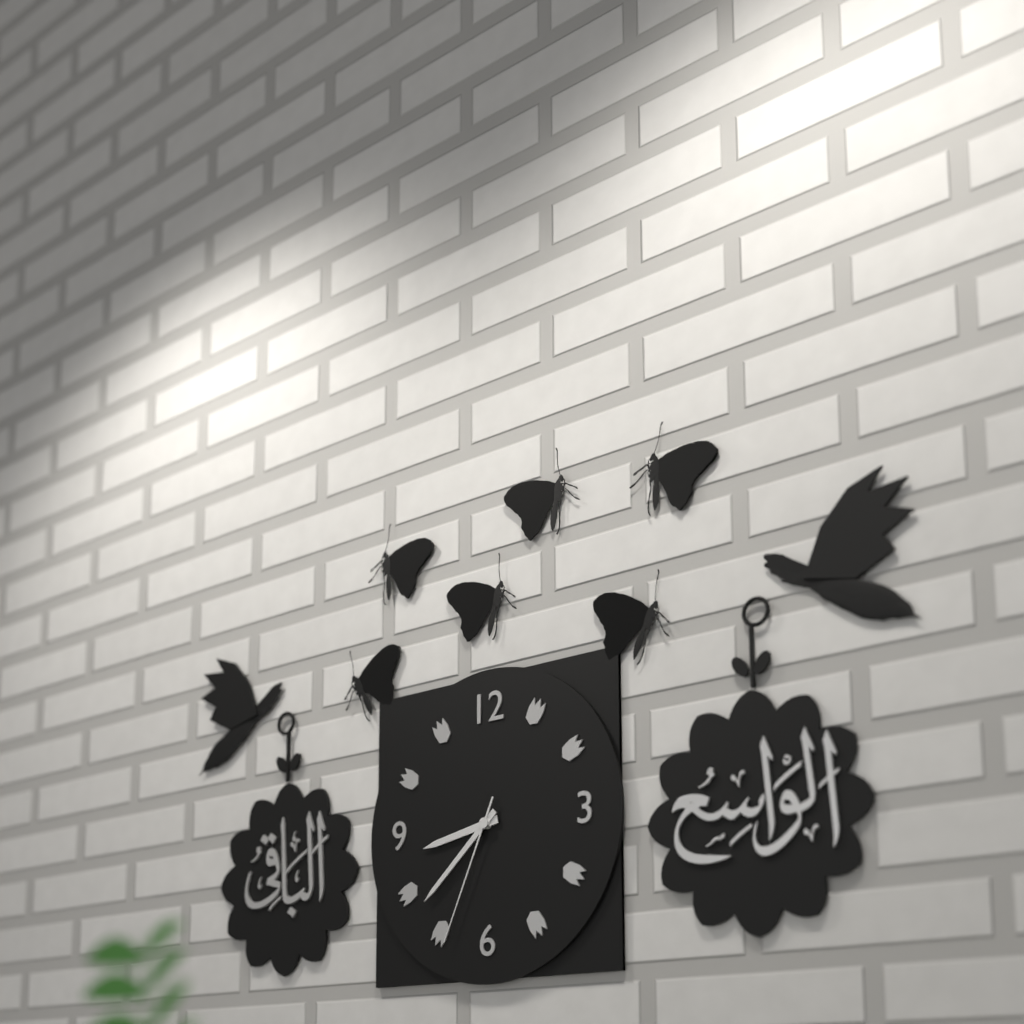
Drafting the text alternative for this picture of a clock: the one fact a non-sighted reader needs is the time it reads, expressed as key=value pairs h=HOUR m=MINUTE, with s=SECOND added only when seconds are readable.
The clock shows h=8 m=38 s=34
